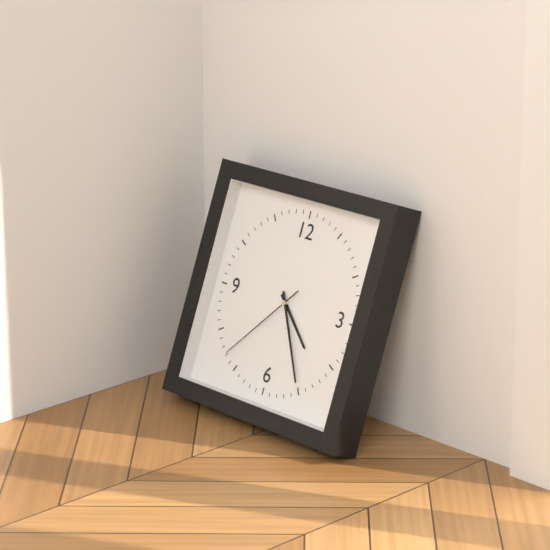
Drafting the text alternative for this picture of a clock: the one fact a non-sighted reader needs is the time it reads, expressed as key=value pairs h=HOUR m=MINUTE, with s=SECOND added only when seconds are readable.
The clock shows h=4 m=25 s=37
